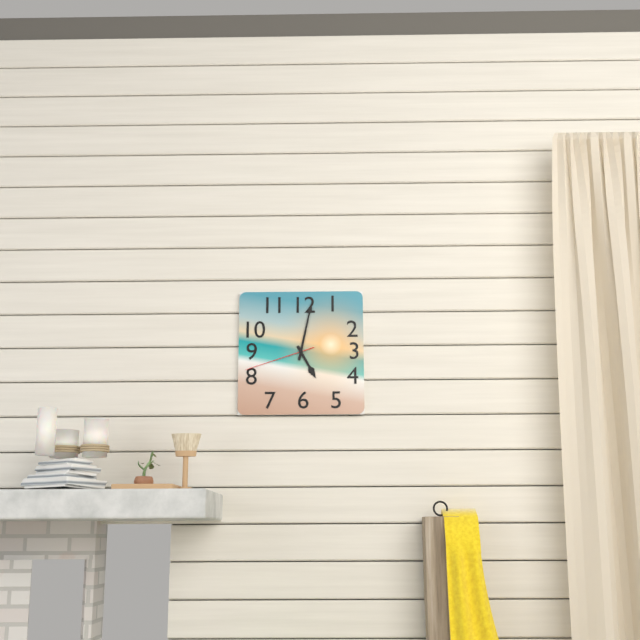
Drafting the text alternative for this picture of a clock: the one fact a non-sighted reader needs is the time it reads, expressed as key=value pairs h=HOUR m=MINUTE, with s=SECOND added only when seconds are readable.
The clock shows h=5 m=2 s=42
